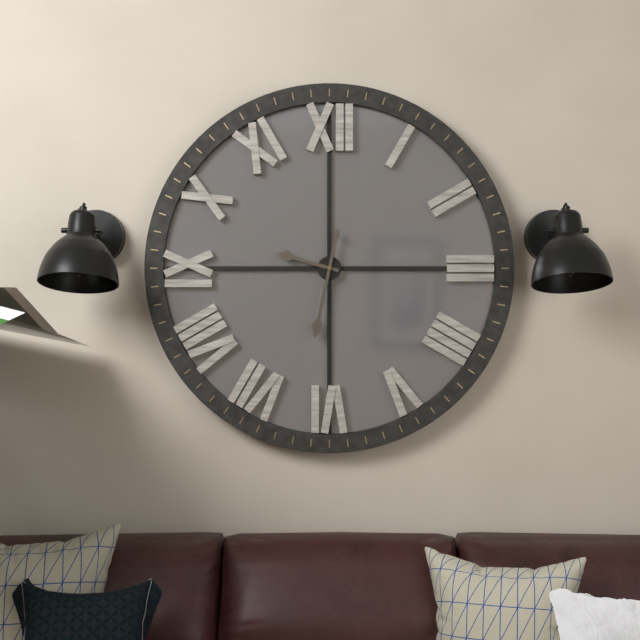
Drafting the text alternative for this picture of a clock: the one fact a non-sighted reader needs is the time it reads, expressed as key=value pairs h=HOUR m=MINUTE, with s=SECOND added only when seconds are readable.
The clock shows h=9 m=32
